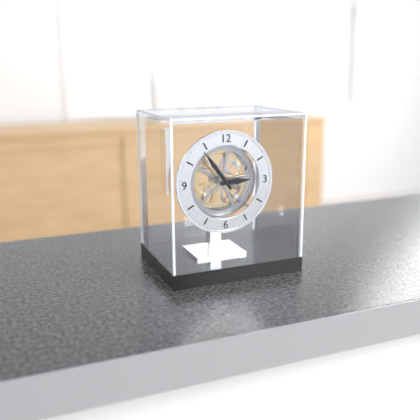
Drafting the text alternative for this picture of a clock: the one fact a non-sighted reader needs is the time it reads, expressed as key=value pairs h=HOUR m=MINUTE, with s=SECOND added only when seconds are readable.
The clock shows h=2 m=54
